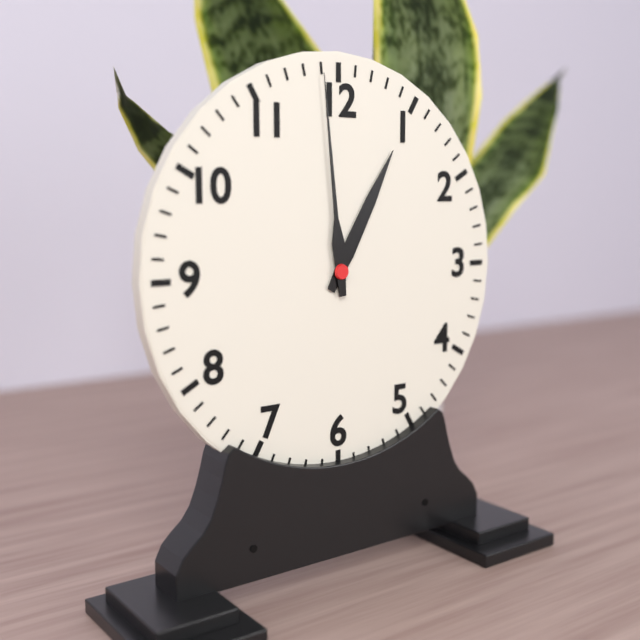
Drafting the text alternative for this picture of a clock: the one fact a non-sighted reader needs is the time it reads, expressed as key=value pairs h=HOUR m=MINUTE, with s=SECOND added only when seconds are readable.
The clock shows h=12 m=59
